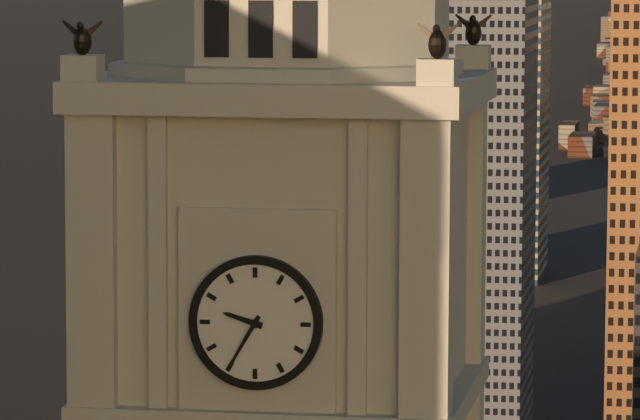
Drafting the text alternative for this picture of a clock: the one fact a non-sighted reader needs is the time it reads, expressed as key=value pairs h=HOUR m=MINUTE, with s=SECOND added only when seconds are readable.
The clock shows h=9 m=35
